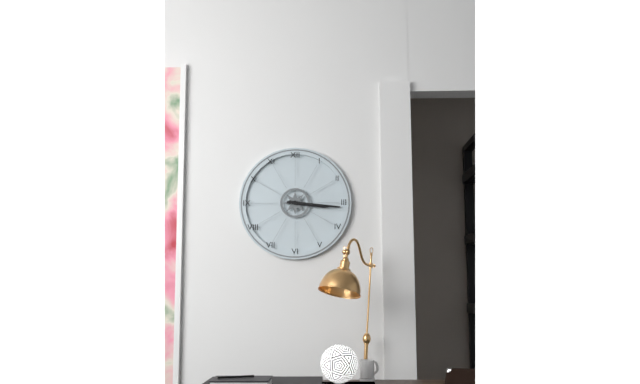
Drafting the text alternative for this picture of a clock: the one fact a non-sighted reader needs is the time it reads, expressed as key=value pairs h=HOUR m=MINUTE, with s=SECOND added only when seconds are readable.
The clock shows h=3 m=16
